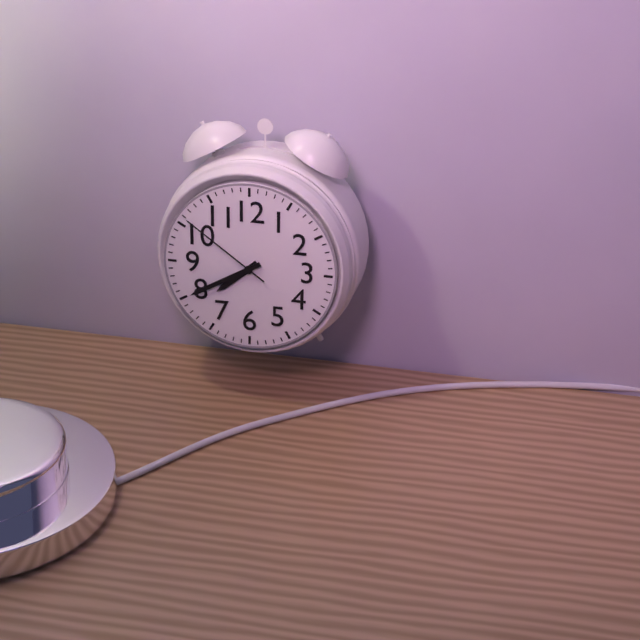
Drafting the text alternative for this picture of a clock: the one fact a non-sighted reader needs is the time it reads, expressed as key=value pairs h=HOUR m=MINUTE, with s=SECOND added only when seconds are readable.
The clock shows h=7 m=40 s=51
